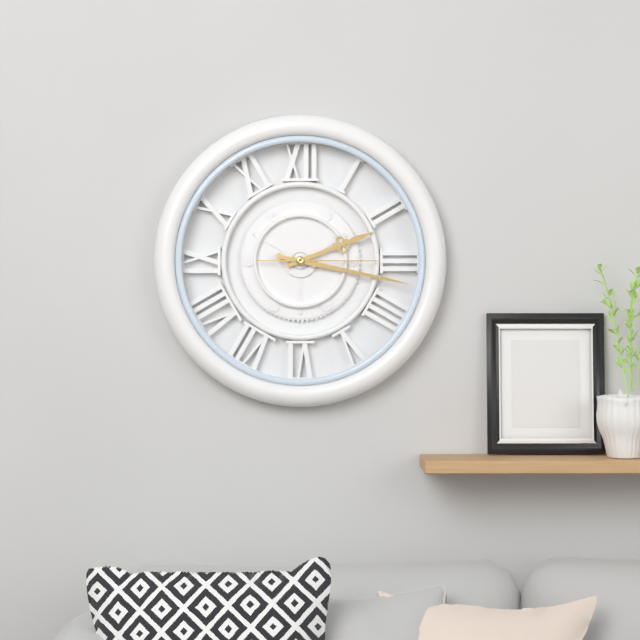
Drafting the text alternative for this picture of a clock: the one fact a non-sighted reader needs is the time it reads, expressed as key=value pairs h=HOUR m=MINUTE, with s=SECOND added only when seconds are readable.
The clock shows h=2 m=17 s=15
